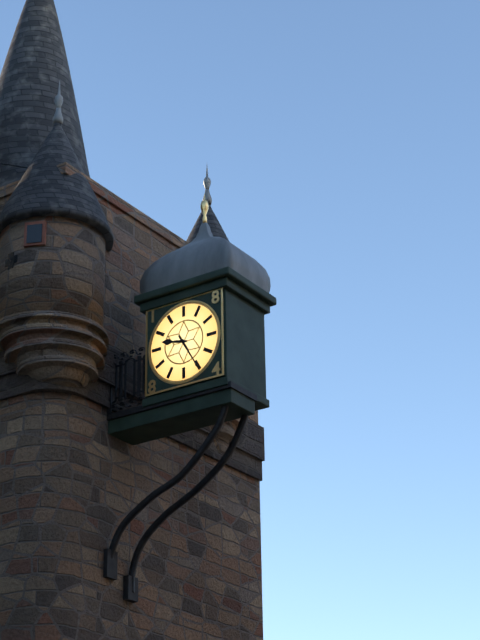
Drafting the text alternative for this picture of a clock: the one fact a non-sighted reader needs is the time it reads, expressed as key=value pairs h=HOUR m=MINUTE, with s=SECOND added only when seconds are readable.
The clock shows h=9 m=25
